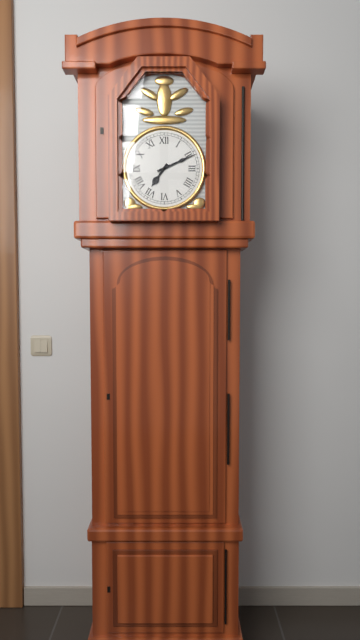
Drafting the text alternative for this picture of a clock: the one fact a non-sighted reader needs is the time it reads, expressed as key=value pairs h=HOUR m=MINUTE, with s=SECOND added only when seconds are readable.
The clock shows h=7 m=11
